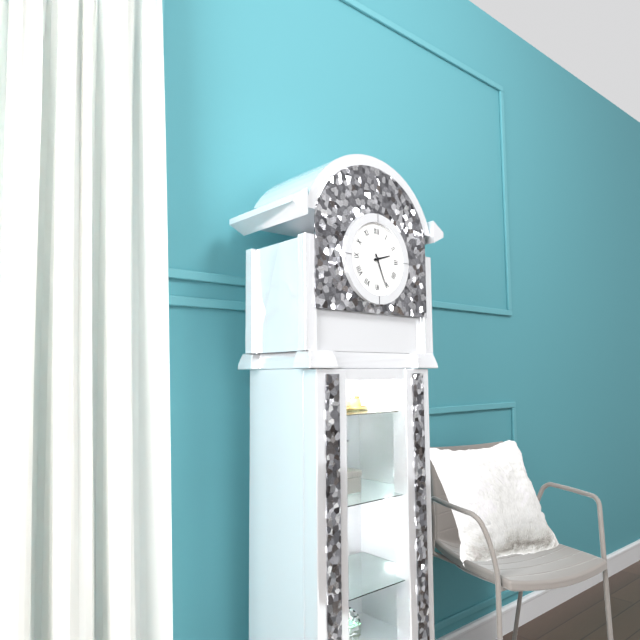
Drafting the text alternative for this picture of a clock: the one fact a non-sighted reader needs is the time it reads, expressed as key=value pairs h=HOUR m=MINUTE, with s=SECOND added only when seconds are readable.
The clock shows h=2 m=26
